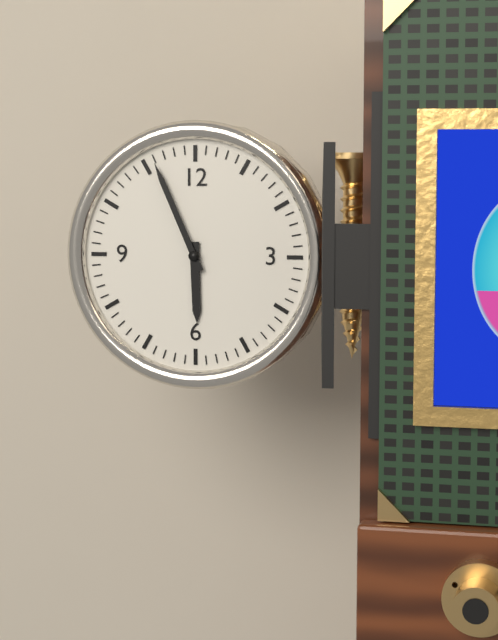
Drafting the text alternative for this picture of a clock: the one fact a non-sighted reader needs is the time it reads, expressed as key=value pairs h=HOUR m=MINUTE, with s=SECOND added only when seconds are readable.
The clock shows h=5 m=56
